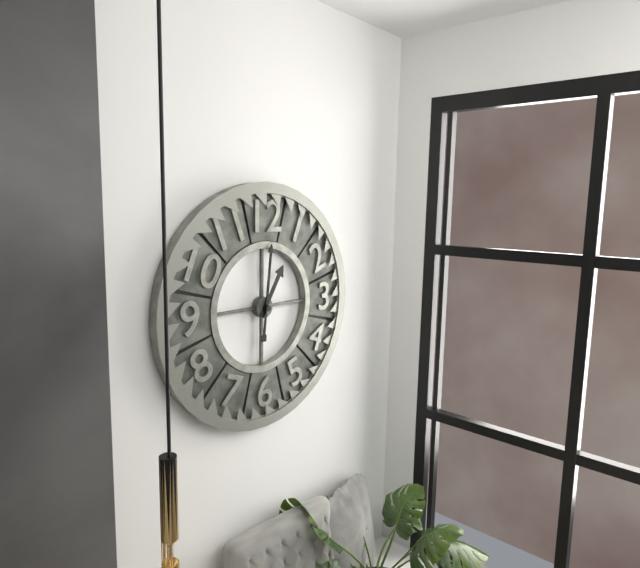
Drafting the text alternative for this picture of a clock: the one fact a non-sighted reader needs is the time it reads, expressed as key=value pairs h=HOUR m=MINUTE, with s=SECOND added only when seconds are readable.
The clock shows h=1 m=1
